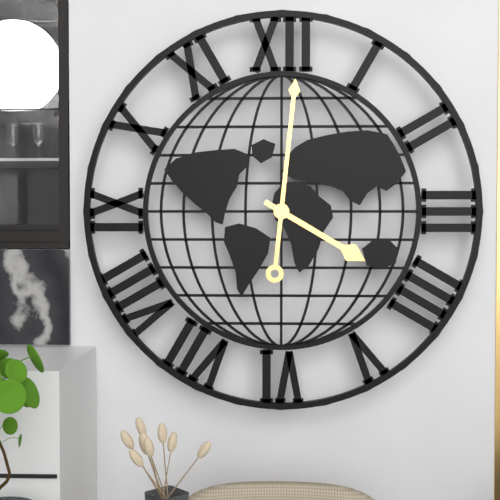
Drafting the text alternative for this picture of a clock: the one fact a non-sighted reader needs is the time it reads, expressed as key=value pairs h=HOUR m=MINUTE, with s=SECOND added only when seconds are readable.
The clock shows h=4 m=1
